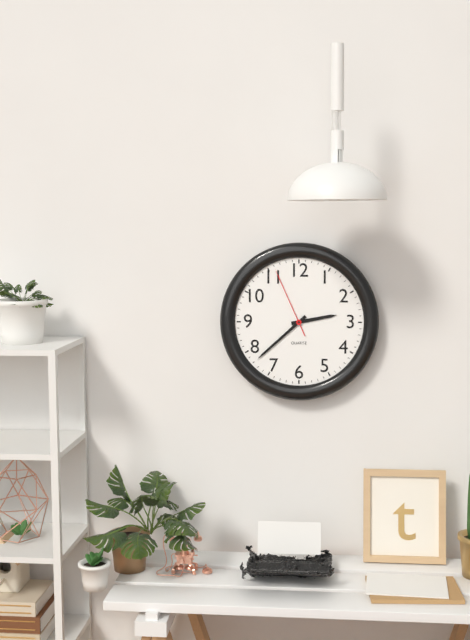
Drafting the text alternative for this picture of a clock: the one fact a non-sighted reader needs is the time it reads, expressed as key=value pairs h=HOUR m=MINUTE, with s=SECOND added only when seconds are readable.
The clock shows h=2 m=38 s=56
